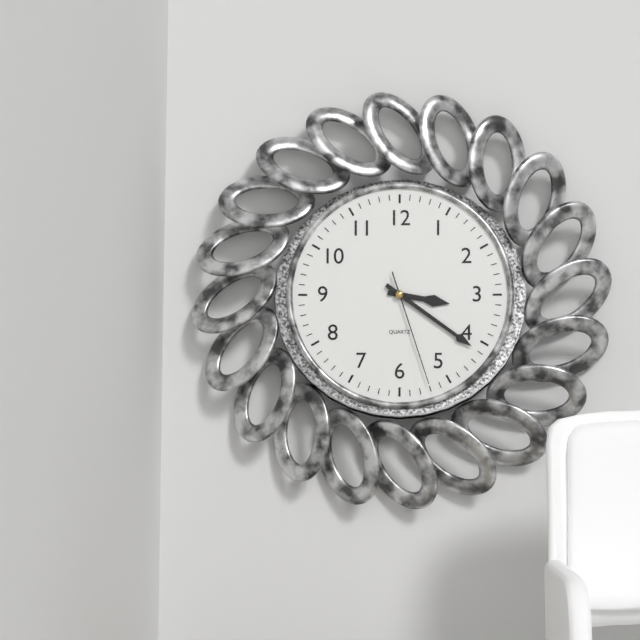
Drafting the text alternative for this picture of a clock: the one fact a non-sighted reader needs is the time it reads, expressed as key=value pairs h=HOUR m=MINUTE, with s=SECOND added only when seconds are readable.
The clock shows h=3 m=21 s=27
